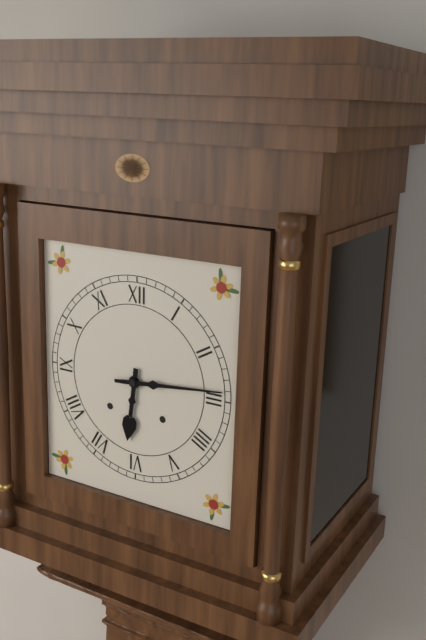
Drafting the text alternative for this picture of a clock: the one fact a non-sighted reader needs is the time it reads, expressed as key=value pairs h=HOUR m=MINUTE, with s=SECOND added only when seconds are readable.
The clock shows h=6 m=14
